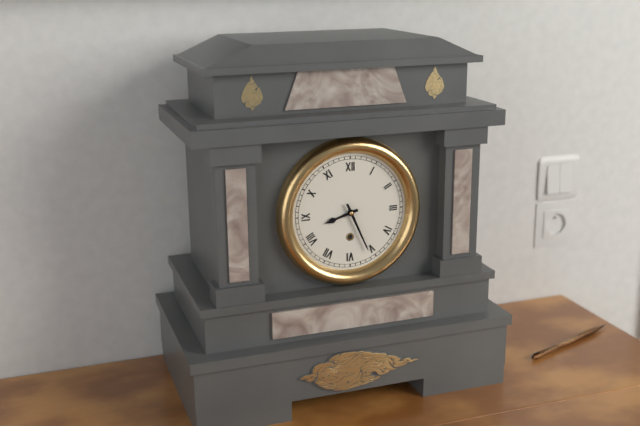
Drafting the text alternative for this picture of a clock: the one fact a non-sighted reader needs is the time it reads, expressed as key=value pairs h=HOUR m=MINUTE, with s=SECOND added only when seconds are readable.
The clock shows h=8 m=26
